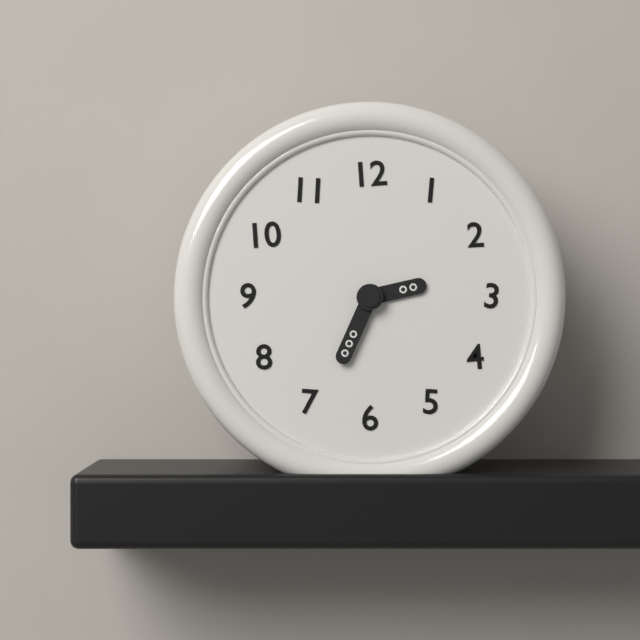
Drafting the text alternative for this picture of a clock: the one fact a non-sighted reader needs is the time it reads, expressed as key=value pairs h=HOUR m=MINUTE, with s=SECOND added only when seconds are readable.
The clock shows h=2 m=34
